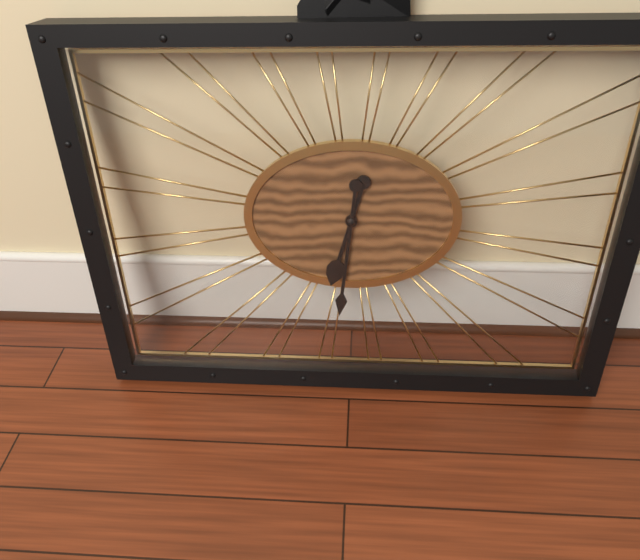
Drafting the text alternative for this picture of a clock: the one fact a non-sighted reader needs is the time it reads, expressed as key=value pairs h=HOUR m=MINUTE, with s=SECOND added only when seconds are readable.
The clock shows h=6 m=31
